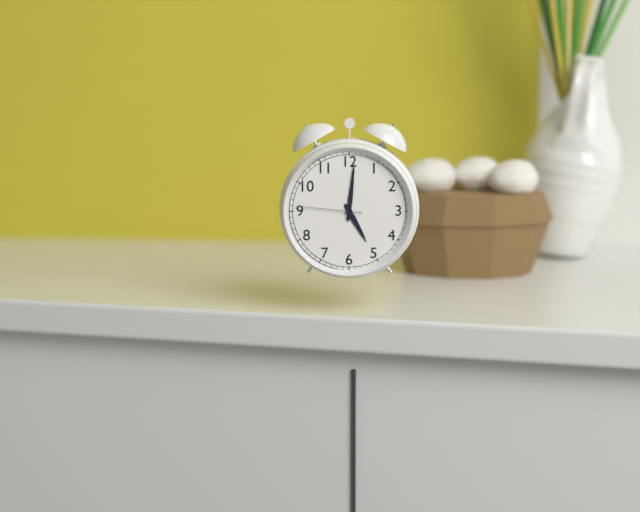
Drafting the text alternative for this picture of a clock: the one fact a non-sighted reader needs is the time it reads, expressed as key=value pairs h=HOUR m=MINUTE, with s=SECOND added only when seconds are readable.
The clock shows h=5 m=1 s=46
